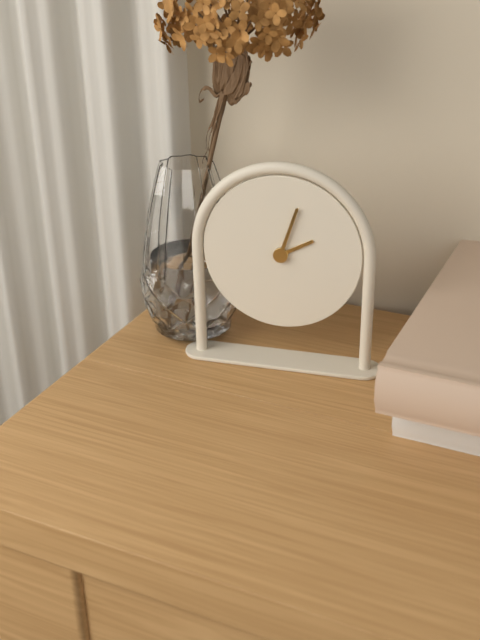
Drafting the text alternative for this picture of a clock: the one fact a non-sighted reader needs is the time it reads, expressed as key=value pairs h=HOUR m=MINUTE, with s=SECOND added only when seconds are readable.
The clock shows h=2 m=3
